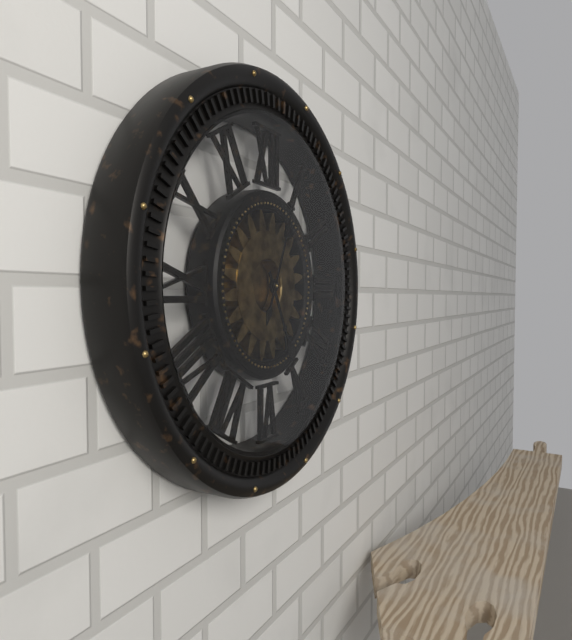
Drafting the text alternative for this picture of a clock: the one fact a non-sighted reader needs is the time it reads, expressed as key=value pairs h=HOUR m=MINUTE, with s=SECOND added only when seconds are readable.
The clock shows h=5 m=4
